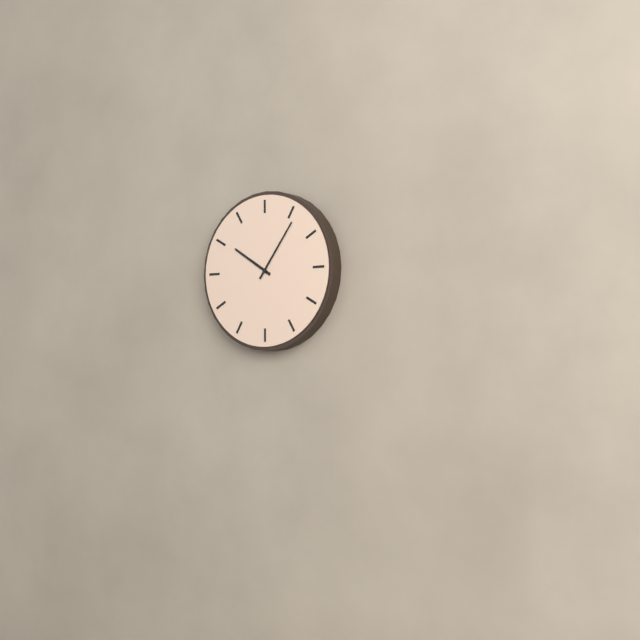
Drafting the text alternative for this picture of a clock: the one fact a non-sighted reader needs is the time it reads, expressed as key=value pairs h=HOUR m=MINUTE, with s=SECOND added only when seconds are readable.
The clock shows h=10 m=6
